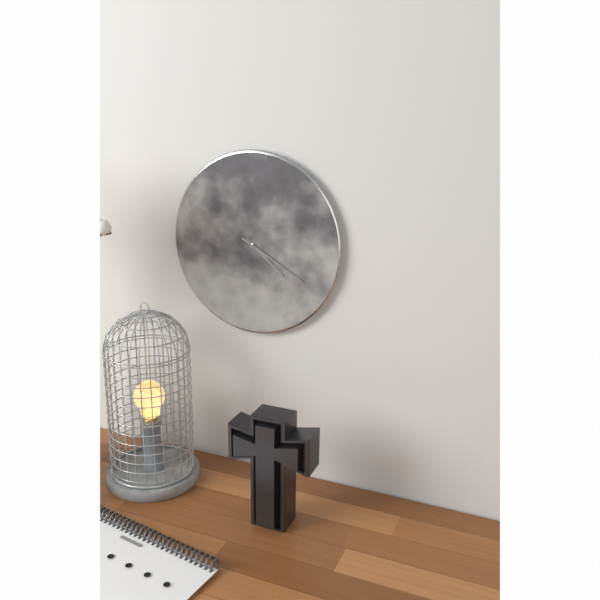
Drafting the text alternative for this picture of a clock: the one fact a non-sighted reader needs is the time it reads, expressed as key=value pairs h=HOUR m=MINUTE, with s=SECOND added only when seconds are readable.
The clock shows h=4 m=20
